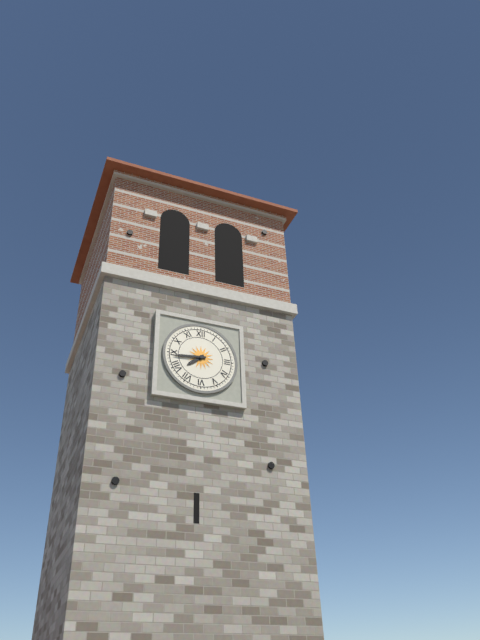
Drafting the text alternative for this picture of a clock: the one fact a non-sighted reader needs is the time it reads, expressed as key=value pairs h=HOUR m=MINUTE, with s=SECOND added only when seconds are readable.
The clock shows h=7 m=44
